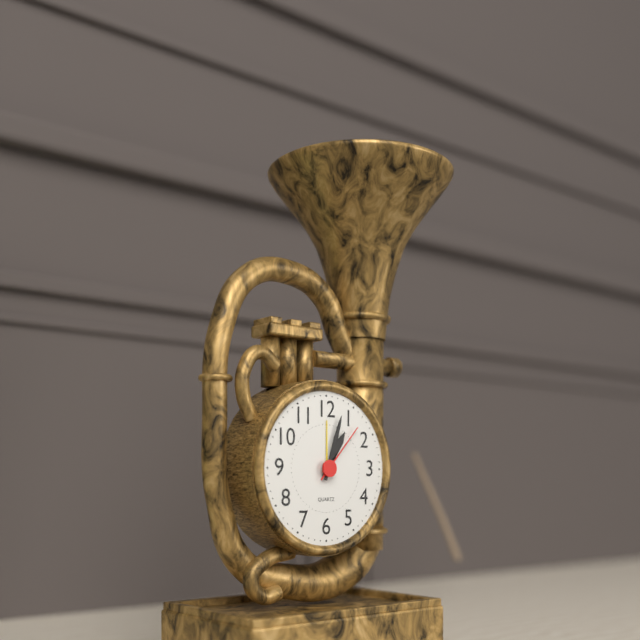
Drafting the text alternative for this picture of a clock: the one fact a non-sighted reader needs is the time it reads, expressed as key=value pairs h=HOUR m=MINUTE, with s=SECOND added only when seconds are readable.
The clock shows h=1 m=3 s=7
